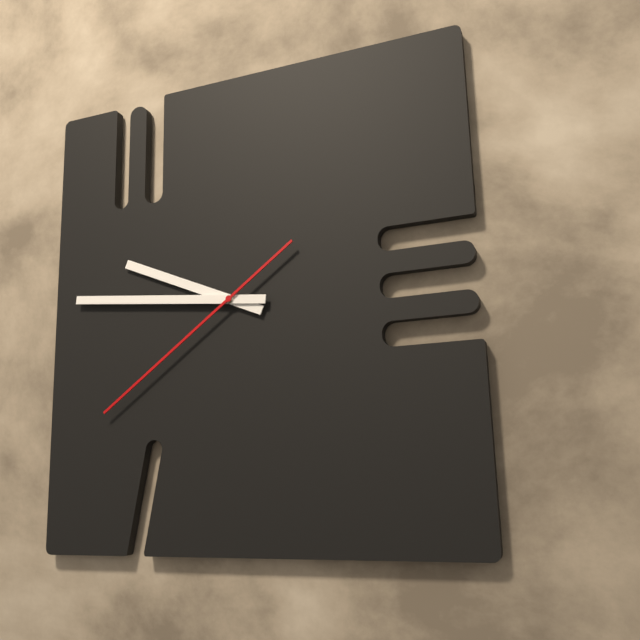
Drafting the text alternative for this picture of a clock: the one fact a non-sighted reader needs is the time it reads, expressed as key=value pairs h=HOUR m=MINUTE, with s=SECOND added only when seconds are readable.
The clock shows h=9 m=46 s=39
